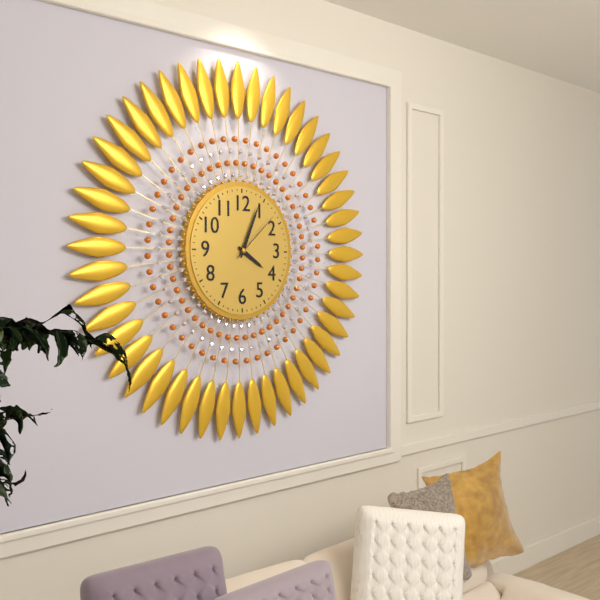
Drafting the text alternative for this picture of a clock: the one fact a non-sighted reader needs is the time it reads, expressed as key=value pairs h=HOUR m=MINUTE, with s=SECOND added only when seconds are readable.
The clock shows h=4 m=4 s=8
